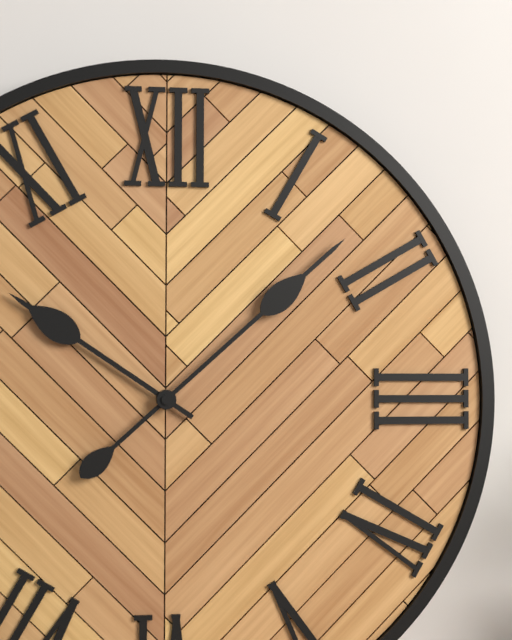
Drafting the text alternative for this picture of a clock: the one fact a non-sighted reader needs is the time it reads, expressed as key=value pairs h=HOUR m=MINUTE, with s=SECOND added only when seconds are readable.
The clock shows h=10 m=8
